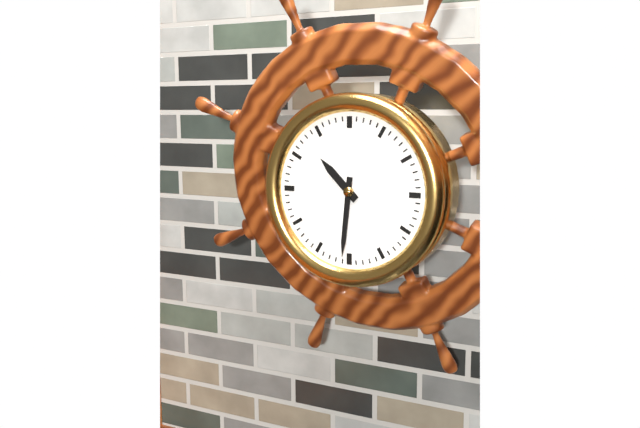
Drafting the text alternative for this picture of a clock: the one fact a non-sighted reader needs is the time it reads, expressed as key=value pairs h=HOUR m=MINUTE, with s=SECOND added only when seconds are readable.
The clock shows h=10 m=31
